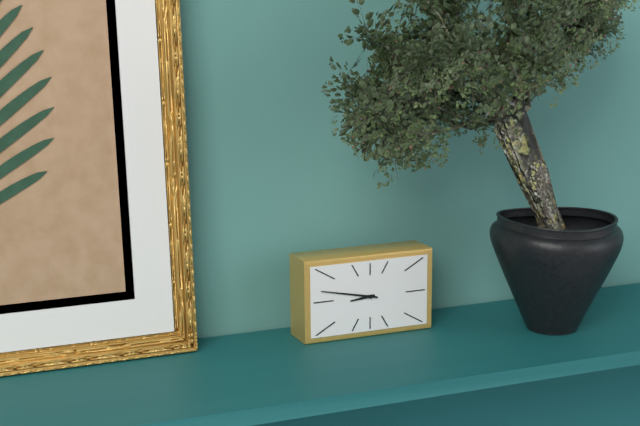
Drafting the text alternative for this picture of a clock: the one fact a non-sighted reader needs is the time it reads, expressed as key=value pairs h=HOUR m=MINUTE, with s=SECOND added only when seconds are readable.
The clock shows h=8 m=47
